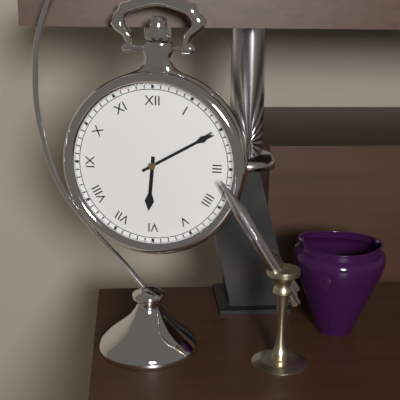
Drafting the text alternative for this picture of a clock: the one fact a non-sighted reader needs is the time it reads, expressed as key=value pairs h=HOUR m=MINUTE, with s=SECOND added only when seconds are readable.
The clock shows h=6 m=10
